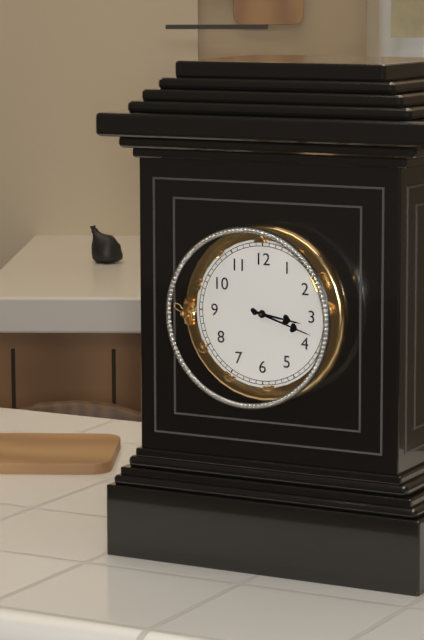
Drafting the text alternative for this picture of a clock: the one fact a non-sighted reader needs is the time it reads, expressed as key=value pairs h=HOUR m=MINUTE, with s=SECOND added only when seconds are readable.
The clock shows h=3 m=18
